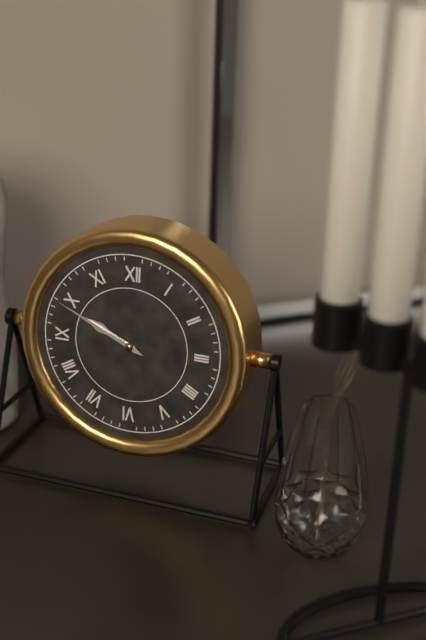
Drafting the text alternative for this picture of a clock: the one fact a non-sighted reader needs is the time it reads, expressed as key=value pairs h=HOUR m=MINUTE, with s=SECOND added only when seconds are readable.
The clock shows h=9 m=49
